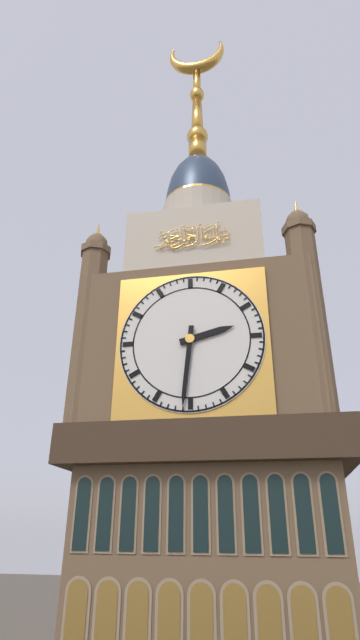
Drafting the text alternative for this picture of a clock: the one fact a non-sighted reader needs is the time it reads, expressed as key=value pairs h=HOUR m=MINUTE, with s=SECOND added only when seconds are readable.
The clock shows h=2 m=31
